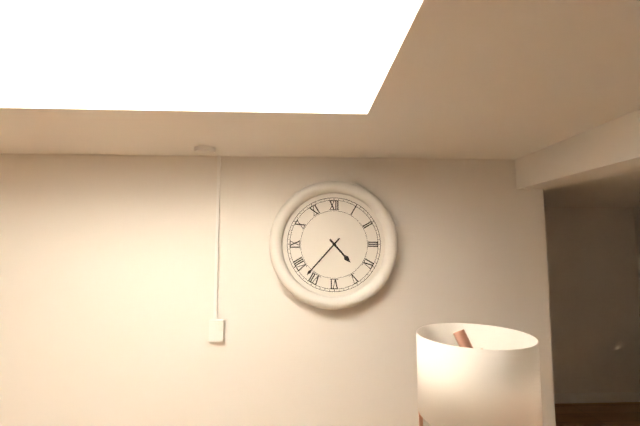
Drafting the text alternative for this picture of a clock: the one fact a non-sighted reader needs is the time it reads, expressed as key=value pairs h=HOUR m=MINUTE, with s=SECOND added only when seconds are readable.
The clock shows h=4 m=37
